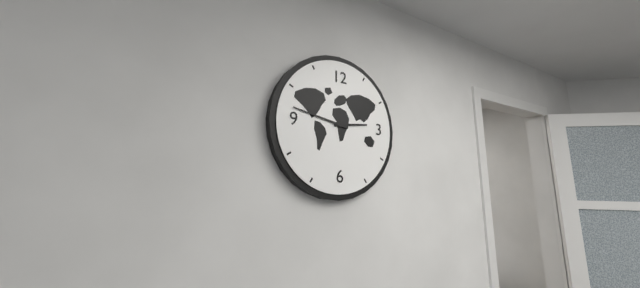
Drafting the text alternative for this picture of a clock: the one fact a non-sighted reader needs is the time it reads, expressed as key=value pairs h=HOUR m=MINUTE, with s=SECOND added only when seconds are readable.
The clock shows h=2 m=47
